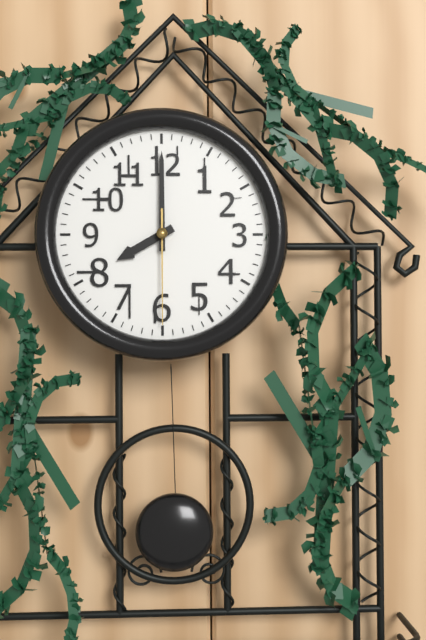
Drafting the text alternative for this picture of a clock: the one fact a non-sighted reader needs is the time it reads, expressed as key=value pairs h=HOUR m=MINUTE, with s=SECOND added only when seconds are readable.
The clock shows h=8 m=0 s=30
